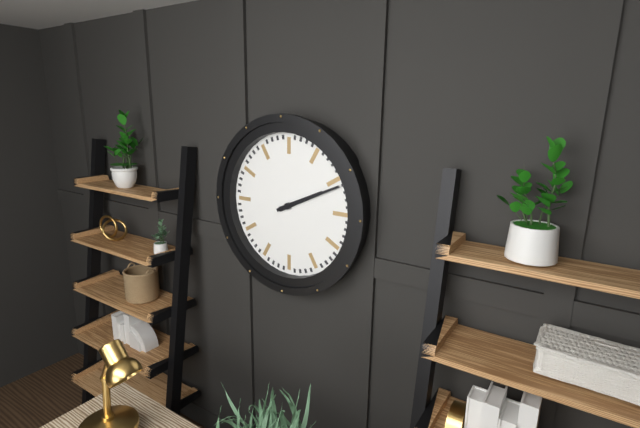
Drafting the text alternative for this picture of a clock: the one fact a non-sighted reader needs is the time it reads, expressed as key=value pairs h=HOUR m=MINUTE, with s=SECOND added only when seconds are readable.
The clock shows h=2 m=11
